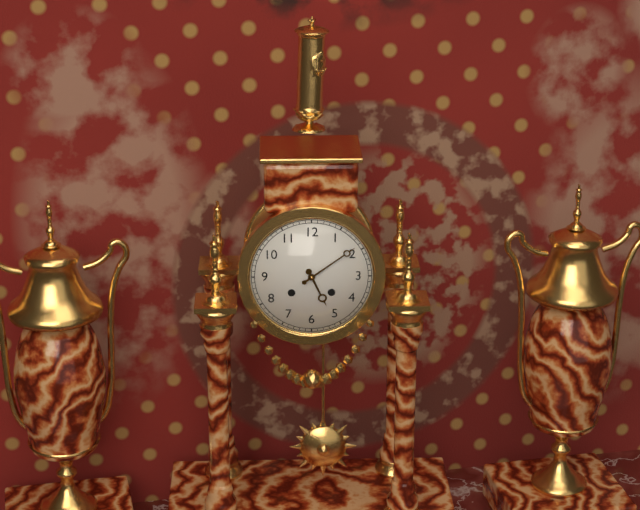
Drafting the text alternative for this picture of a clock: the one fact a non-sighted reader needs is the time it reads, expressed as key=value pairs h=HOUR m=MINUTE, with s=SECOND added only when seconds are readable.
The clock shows h=5 m=9
